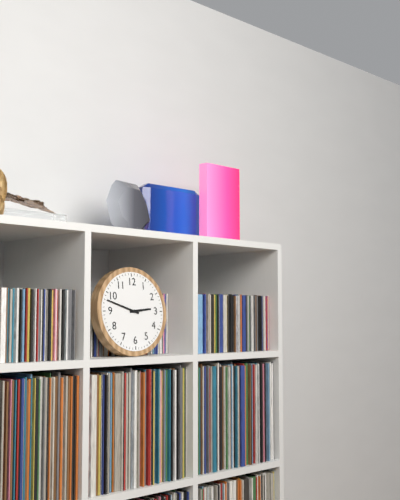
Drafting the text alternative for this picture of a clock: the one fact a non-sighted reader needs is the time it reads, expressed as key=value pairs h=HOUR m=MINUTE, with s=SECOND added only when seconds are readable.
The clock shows h=2 m=48
